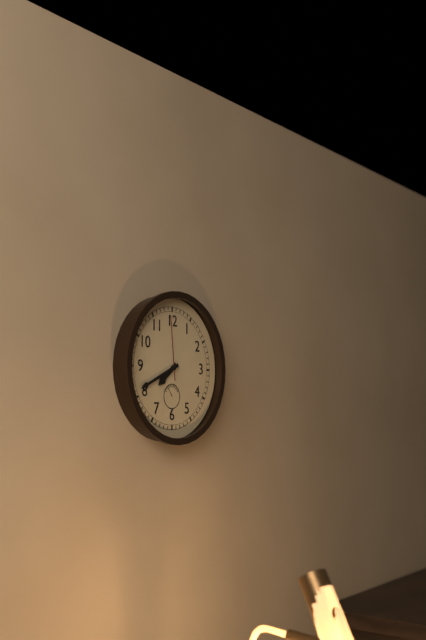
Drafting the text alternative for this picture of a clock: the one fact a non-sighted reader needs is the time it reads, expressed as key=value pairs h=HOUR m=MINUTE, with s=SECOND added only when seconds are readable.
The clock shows h=7 m=41 s=59
